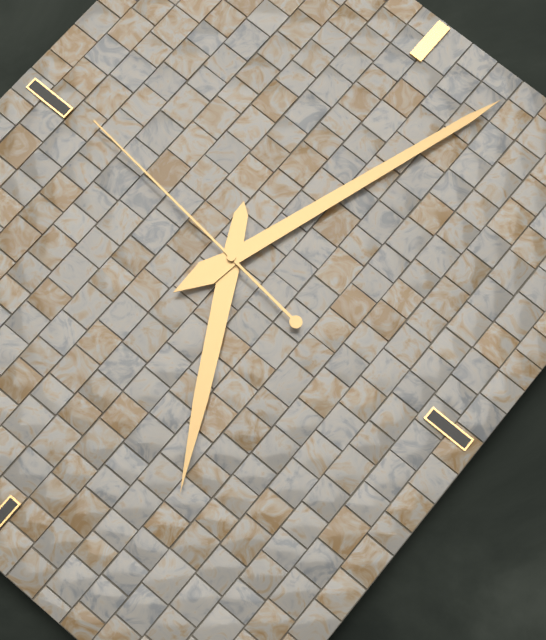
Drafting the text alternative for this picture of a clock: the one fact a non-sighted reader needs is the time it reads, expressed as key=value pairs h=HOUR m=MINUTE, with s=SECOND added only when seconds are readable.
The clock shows h=5 m=3 s=46
